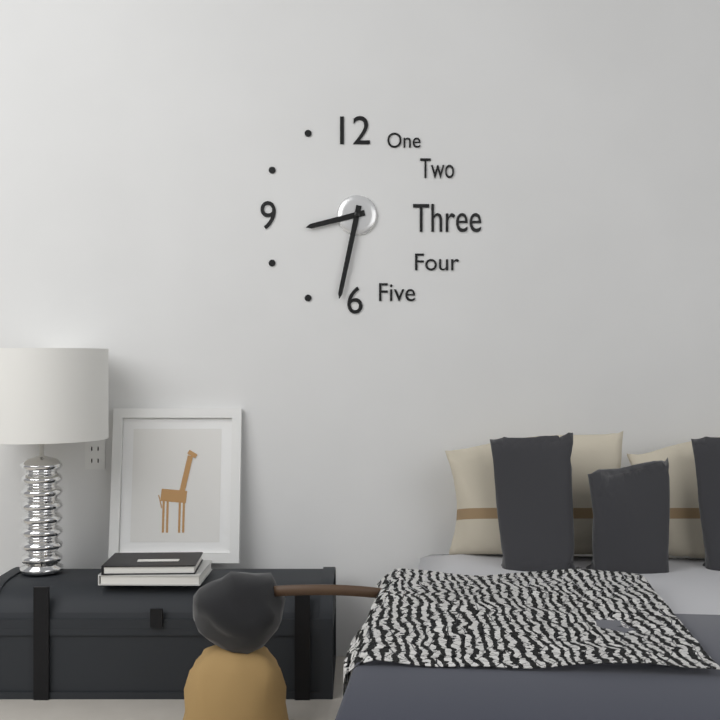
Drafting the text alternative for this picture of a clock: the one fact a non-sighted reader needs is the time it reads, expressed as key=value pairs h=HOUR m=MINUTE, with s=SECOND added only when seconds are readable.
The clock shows h=8 m=32
